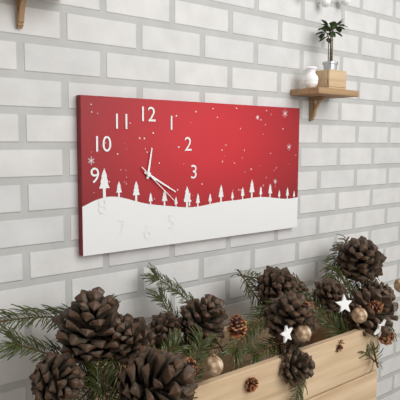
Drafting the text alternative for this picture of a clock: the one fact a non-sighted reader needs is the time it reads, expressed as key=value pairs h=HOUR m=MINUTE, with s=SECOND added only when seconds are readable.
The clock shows h=12 m=20 s=22
